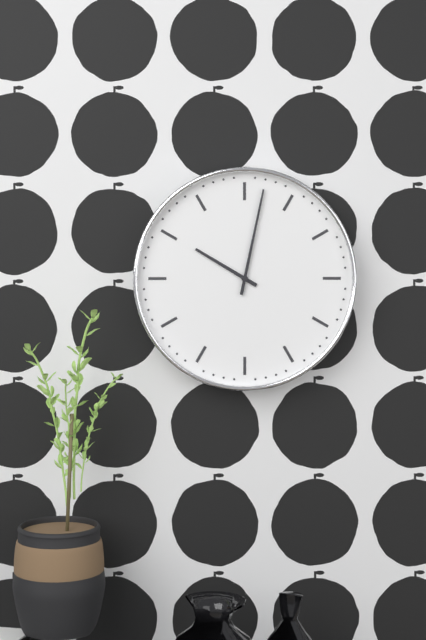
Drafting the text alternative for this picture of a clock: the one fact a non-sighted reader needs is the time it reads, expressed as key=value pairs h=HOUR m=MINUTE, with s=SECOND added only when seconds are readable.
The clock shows h=10 m=2
